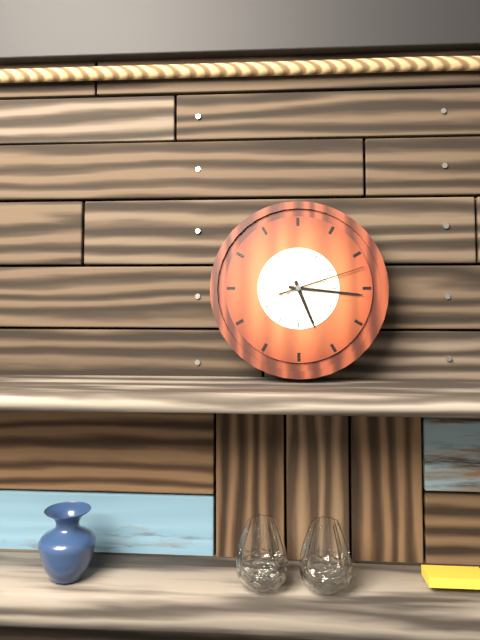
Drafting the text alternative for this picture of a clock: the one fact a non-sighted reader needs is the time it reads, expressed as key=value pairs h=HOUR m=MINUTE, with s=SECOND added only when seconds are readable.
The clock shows h=5 m=16 s=12
